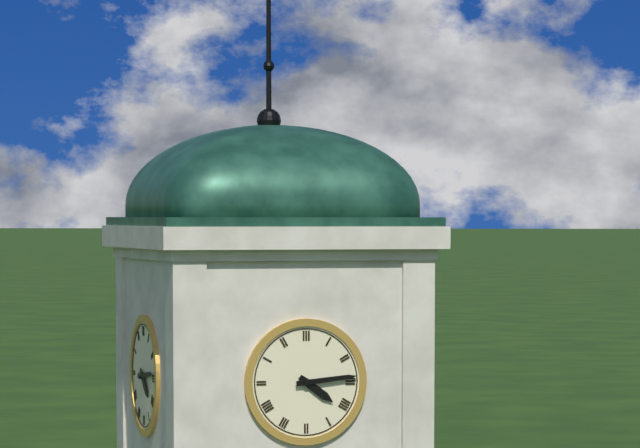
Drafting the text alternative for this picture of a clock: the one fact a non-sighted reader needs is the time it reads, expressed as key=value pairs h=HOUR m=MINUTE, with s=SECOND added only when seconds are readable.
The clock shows h=4 m=14
